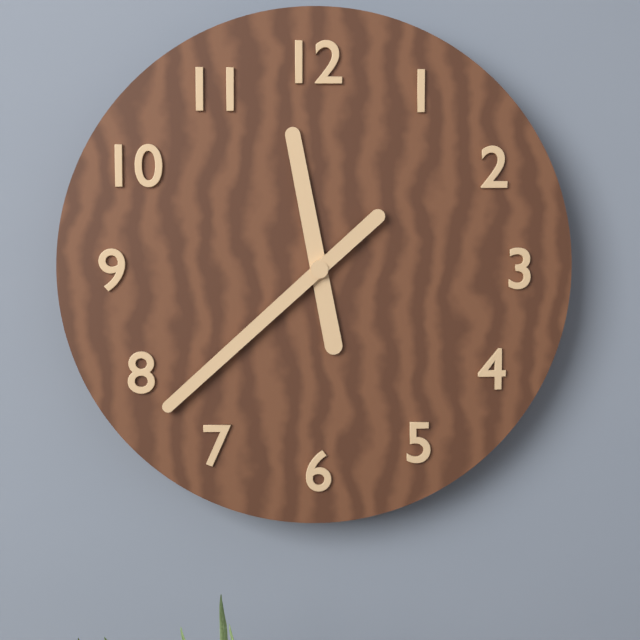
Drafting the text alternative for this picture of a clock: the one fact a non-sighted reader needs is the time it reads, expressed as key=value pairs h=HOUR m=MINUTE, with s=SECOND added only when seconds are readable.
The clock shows h=11 m=38
